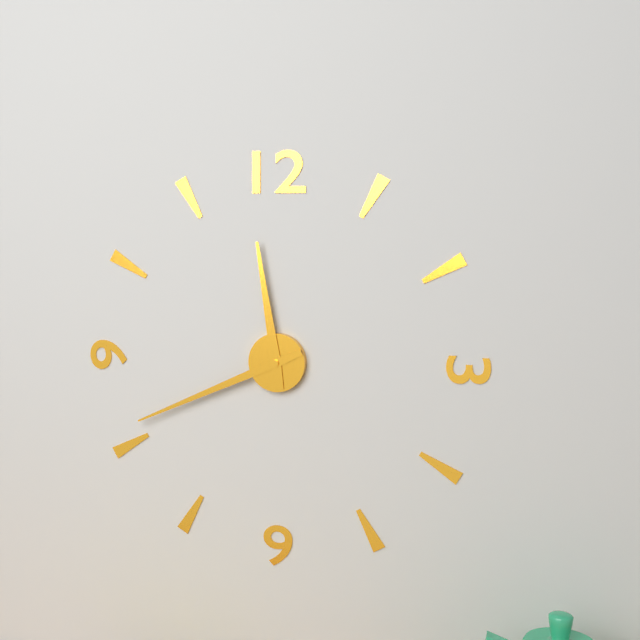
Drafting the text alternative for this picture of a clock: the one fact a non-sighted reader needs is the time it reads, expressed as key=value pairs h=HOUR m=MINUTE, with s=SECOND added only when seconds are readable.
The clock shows h=11 m=41
